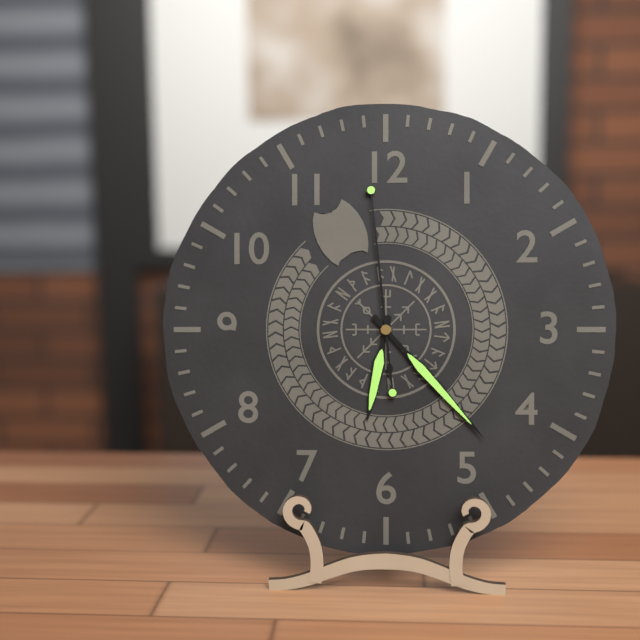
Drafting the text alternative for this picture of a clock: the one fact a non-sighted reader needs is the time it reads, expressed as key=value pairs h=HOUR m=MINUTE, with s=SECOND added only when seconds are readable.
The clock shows h=6 m=23 s=59
